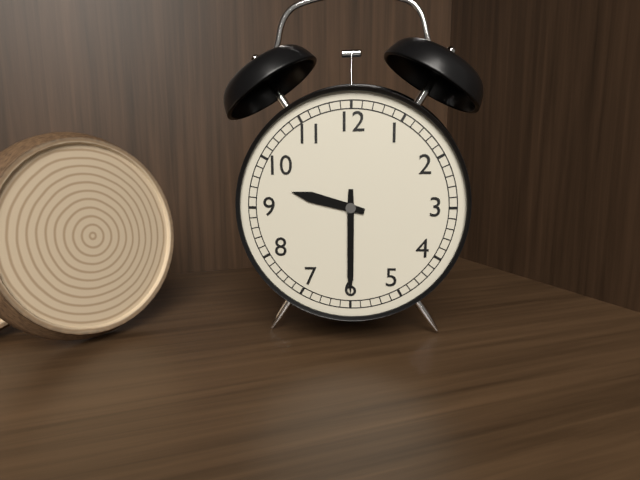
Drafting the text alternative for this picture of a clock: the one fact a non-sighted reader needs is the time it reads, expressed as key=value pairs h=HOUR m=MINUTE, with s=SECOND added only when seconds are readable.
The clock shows h=9 m=30
